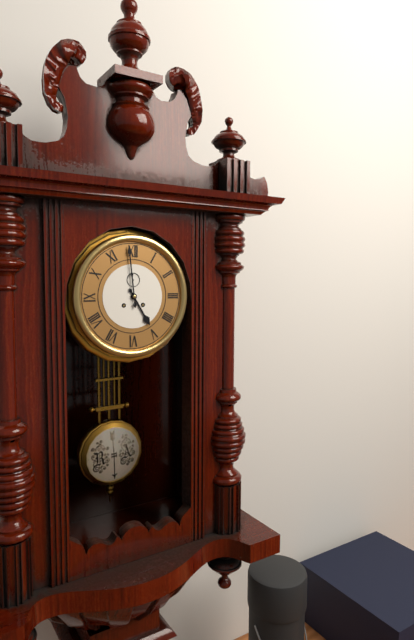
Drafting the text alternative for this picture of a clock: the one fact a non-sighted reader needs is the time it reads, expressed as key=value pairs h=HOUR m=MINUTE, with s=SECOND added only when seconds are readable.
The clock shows h=4 m=59
